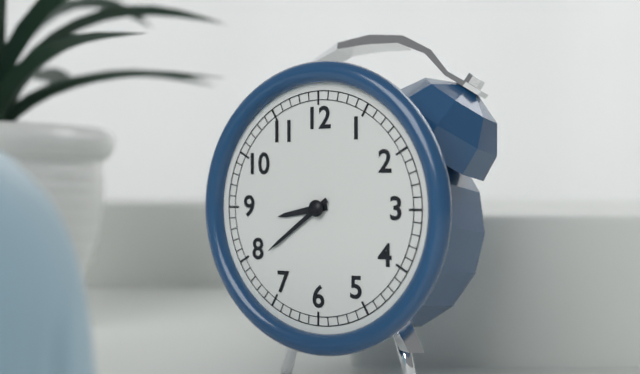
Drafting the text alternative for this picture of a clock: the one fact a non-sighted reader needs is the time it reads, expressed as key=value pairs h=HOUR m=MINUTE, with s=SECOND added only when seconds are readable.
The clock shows h=8 m=39
